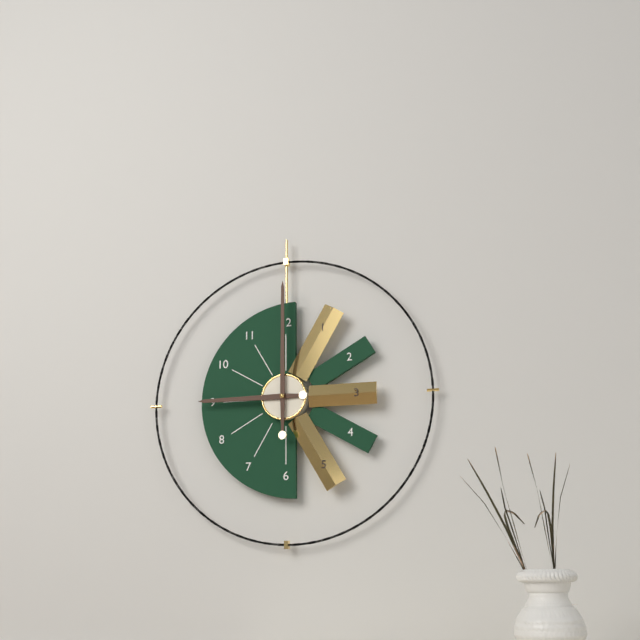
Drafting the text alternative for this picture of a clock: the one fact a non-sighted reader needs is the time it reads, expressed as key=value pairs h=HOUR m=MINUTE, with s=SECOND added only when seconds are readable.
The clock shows h=9 m=0
